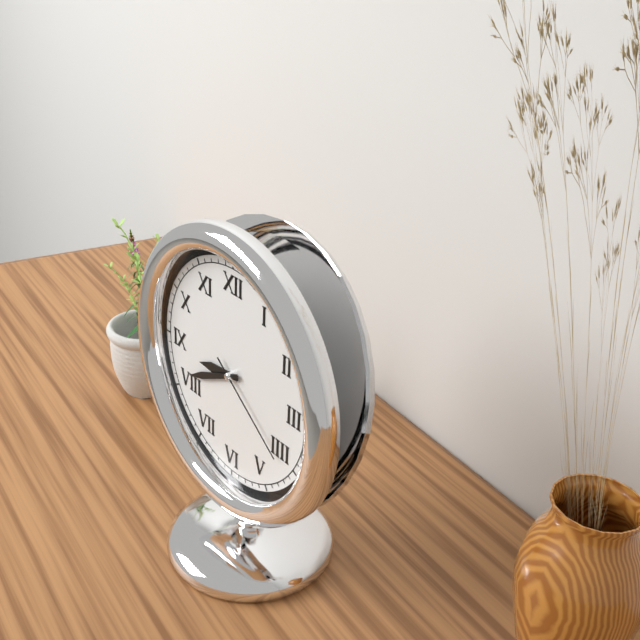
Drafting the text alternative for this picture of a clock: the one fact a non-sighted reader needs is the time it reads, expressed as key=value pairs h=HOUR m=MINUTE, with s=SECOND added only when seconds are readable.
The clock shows h=8 m=41 s=21
